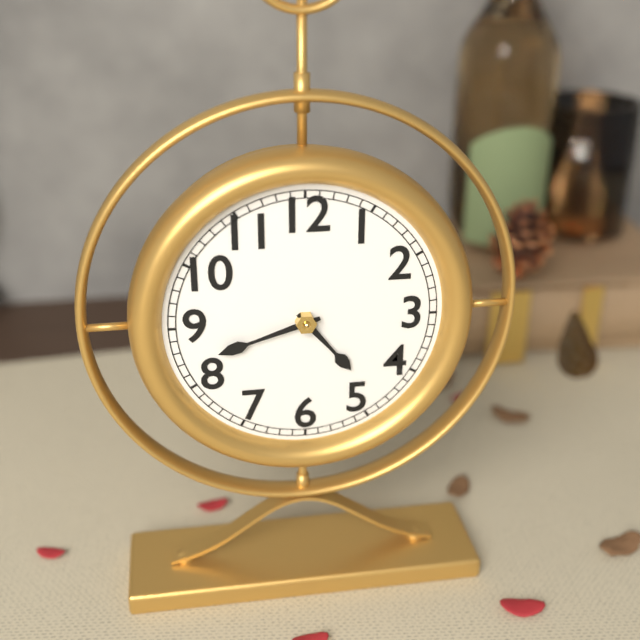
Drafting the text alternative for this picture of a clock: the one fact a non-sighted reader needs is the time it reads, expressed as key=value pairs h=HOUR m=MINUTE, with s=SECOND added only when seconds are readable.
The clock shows h=4 m=42
